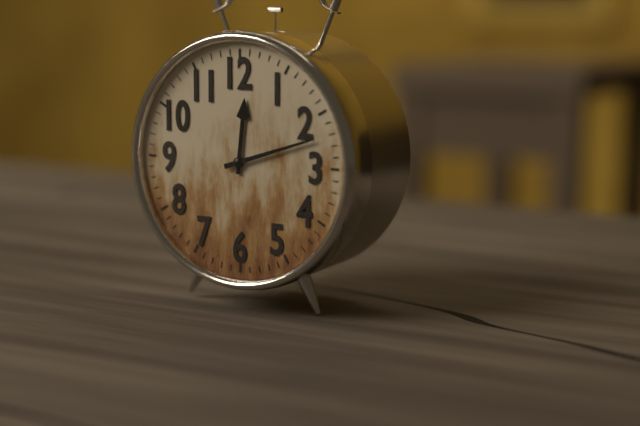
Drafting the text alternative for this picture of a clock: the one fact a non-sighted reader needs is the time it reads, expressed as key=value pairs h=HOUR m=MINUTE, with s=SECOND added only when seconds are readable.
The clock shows h=12 m=12
